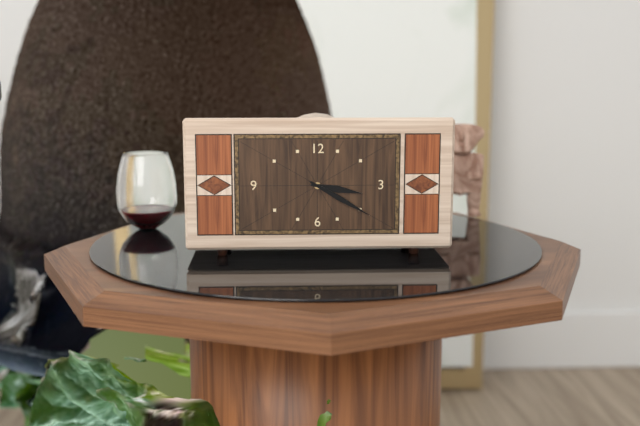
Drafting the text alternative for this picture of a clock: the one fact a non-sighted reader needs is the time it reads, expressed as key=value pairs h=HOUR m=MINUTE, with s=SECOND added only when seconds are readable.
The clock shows h=3 m=20
